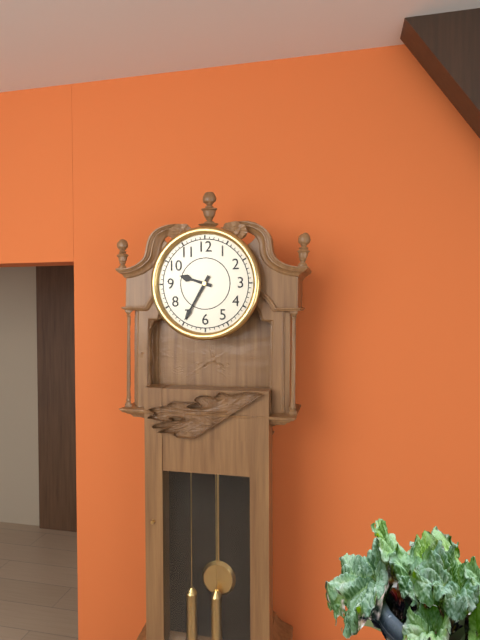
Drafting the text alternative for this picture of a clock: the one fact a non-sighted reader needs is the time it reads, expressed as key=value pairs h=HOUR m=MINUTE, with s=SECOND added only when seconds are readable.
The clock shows h=9 m=35
